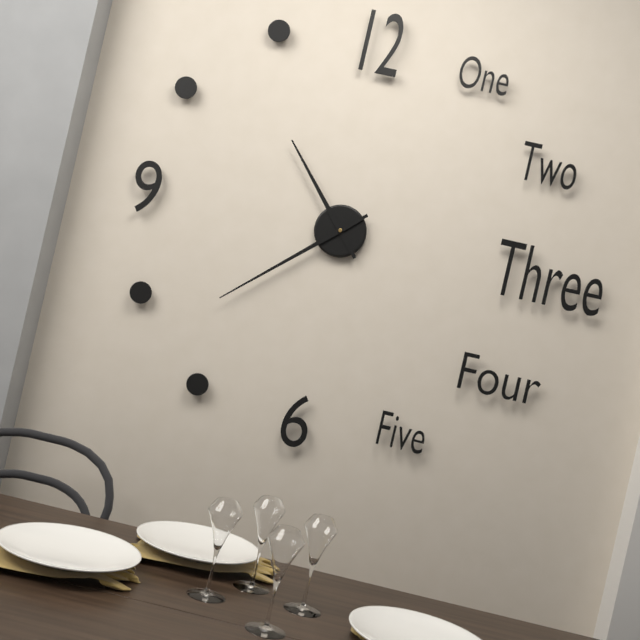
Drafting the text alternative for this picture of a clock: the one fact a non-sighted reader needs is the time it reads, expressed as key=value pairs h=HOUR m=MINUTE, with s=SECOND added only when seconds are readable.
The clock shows h=10 m=38
